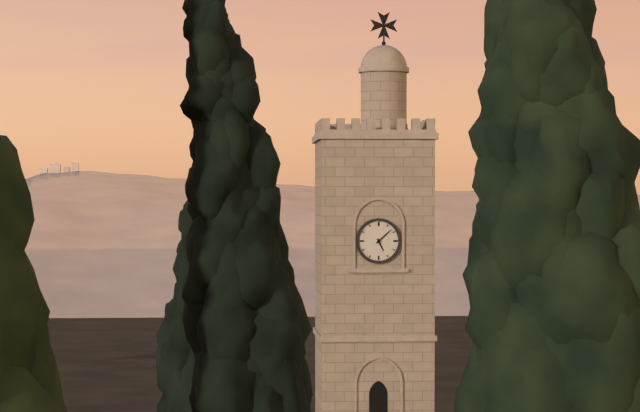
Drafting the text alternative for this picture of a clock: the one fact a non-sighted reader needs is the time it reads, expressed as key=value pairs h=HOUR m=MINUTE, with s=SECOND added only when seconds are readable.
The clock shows h=5 m=8
